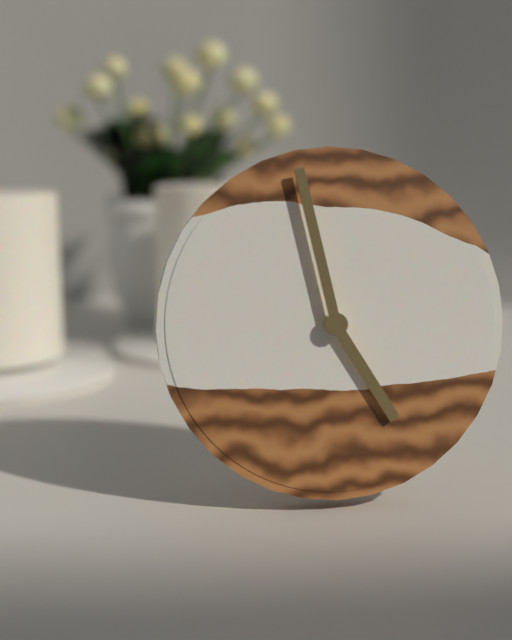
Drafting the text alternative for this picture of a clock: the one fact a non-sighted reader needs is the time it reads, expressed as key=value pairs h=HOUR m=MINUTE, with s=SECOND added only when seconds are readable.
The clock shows h=4 m=58
